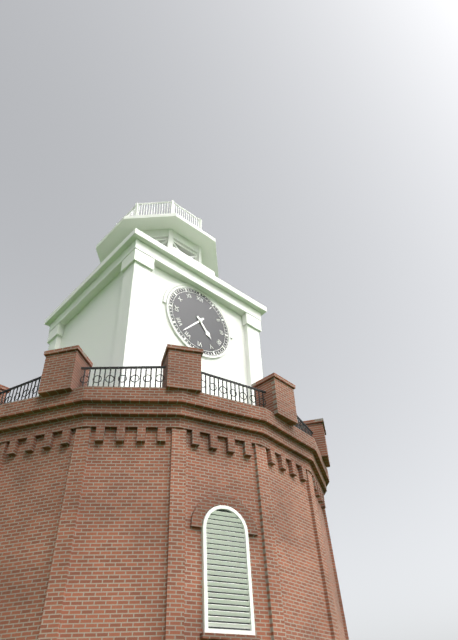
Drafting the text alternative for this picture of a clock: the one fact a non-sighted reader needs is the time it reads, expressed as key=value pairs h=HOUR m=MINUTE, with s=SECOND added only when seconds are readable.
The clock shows h=4 m=37
